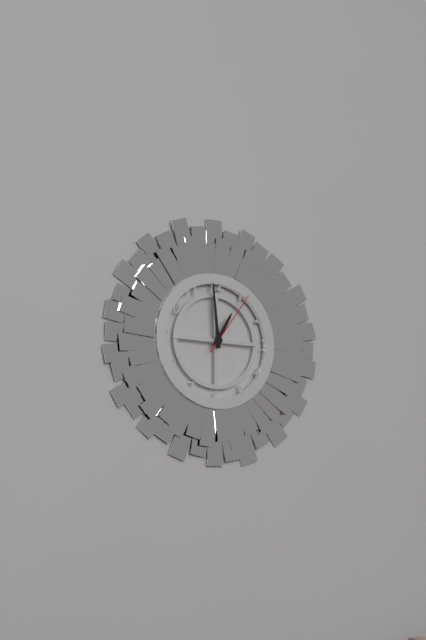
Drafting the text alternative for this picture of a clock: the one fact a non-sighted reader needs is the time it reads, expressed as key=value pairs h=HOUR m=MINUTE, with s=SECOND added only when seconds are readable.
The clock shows h=12 m=59 s=6
